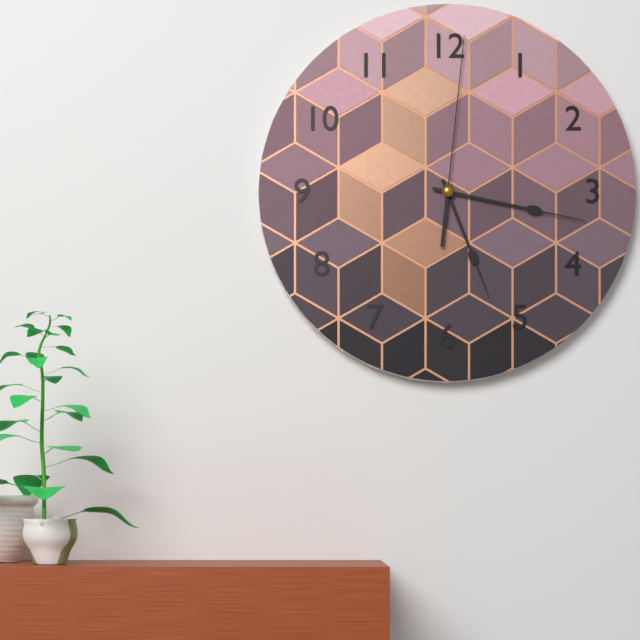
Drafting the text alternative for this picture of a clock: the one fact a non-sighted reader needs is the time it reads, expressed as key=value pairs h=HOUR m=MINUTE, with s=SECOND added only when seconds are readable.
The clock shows h=5 m=17 s=1
